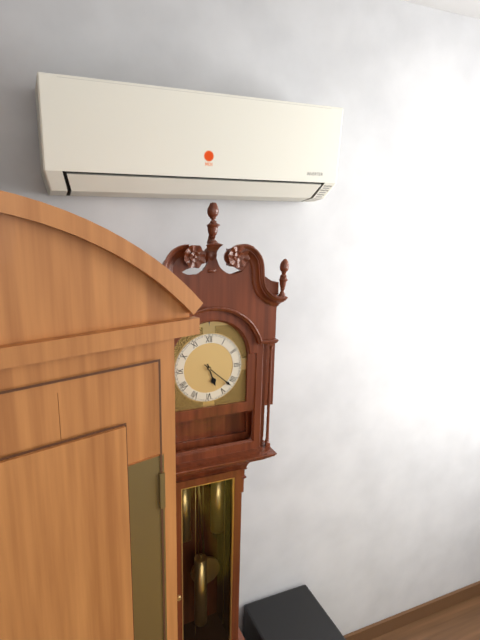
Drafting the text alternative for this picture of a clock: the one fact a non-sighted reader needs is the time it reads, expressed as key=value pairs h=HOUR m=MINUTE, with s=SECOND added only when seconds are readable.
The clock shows h=5 m=22
